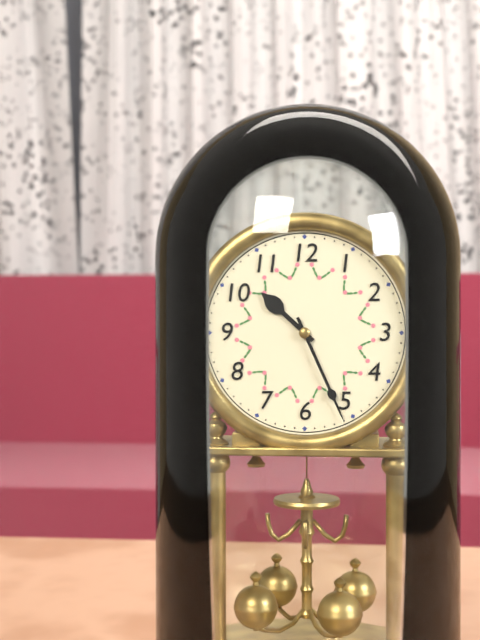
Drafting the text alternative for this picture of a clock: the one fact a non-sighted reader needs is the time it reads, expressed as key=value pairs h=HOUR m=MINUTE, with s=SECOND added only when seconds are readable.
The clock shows h=10 m=26
